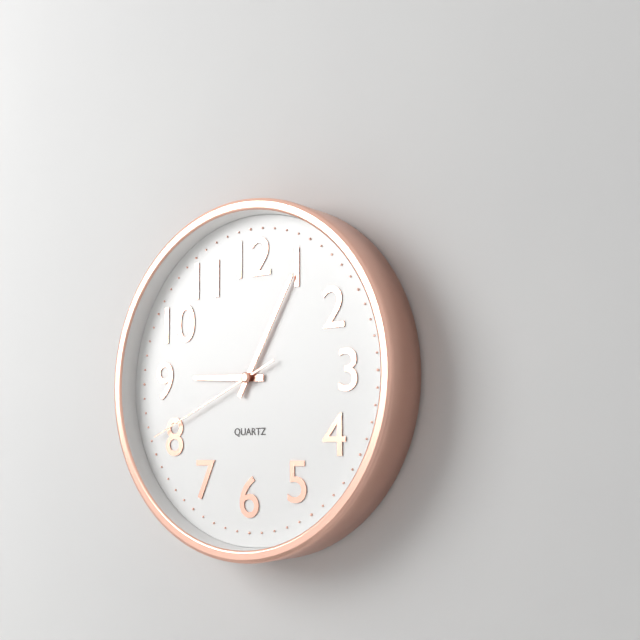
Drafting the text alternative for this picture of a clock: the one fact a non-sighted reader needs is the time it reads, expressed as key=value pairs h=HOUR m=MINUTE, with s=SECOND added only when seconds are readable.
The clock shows h=9 m=5 s=41
